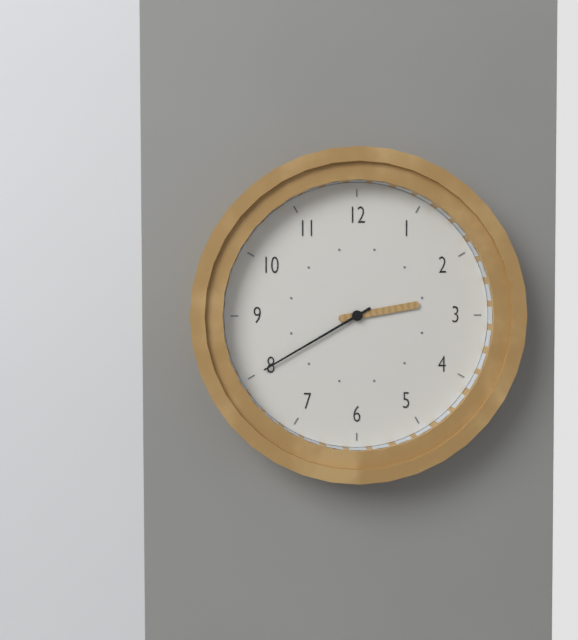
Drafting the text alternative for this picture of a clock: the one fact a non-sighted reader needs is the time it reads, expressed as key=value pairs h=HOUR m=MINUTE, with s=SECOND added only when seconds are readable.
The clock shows h=2 m=40
